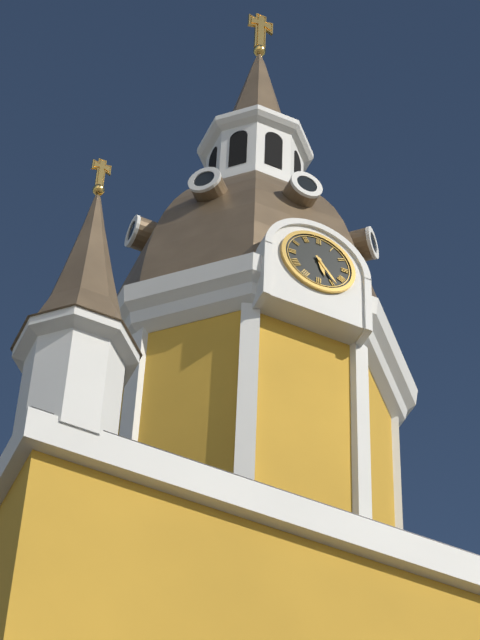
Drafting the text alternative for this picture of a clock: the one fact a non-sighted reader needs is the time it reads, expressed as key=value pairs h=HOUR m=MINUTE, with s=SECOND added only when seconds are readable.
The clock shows h=5 m=24
